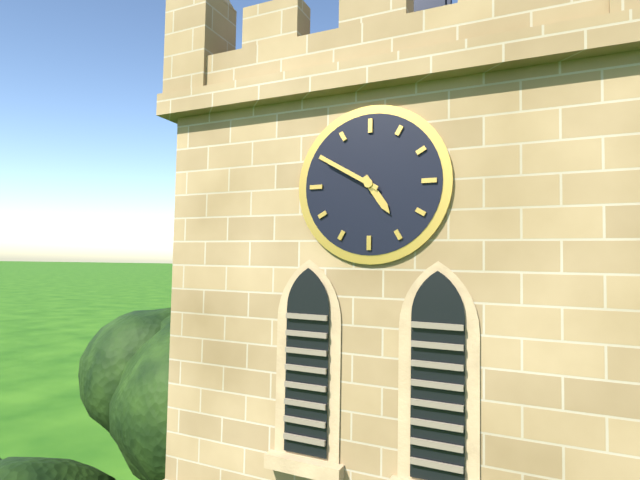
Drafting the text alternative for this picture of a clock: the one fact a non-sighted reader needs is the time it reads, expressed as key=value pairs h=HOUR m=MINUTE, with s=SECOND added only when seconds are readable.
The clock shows h=4 m=50
